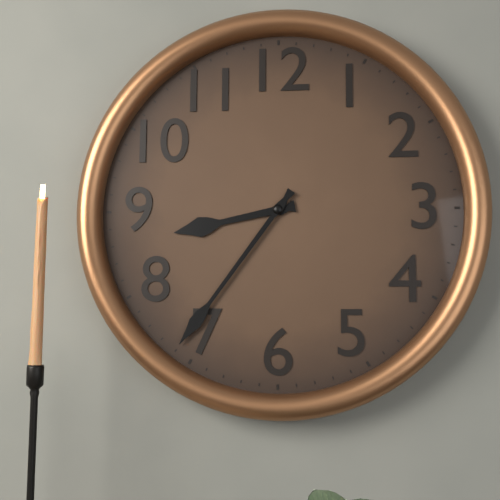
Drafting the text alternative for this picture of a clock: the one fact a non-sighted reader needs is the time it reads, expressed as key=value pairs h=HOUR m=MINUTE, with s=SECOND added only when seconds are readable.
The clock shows h=8 m=36
